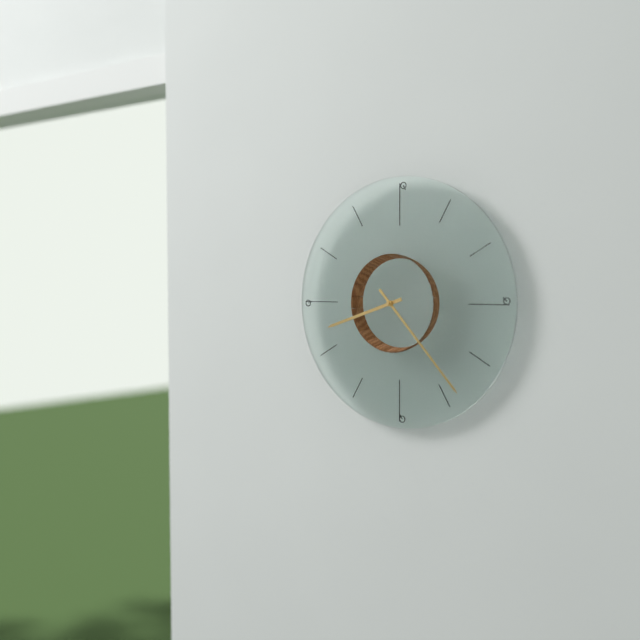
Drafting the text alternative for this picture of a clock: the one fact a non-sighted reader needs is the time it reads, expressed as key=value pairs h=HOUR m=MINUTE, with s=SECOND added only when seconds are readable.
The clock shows h=8 m=23
